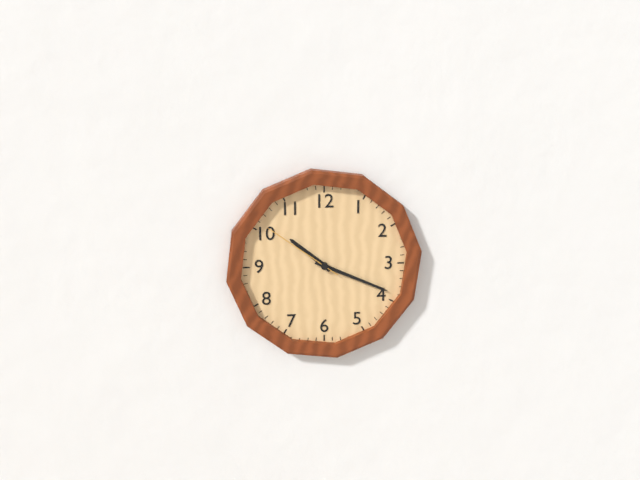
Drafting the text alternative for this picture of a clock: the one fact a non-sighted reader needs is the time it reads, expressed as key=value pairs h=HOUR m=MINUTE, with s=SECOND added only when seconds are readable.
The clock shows h=10 m=19 s=51
